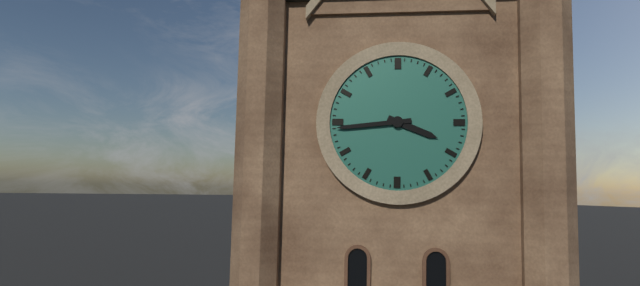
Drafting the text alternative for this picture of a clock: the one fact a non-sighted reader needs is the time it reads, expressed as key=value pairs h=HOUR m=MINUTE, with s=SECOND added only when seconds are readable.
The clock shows h=3 m=44
